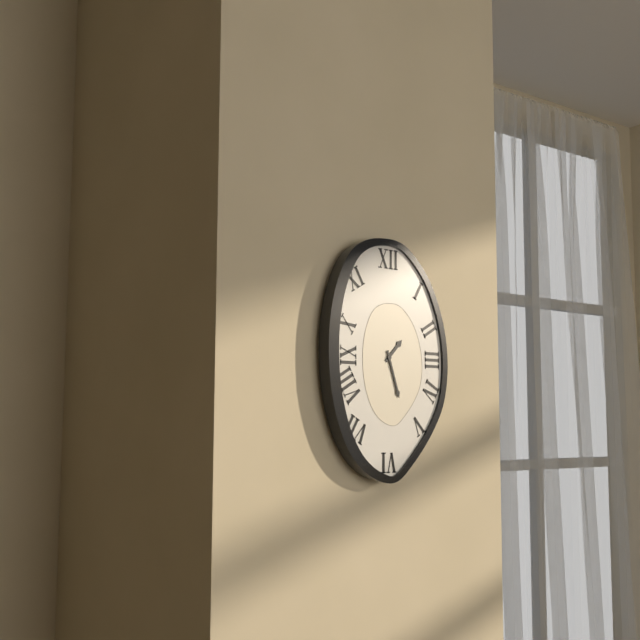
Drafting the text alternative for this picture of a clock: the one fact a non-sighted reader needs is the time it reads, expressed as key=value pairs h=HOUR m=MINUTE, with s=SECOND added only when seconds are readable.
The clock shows h=1 m=27
